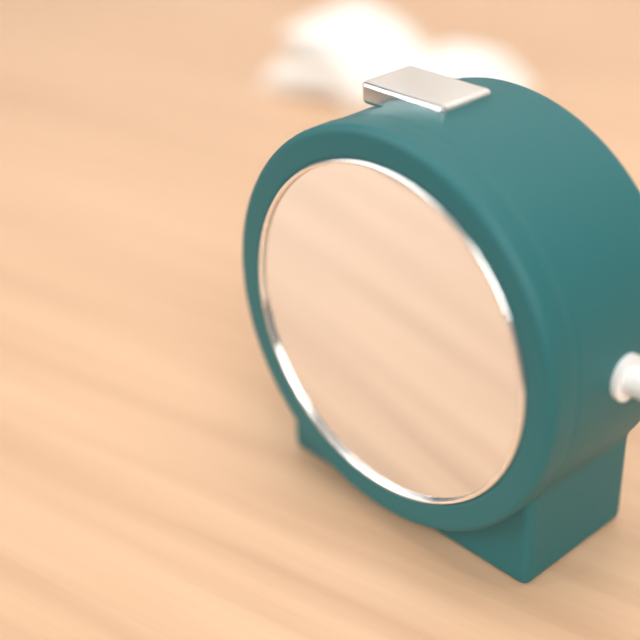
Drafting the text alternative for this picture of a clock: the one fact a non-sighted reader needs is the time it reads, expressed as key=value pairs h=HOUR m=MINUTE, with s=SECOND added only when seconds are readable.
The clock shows h=4 m=37 s=35
